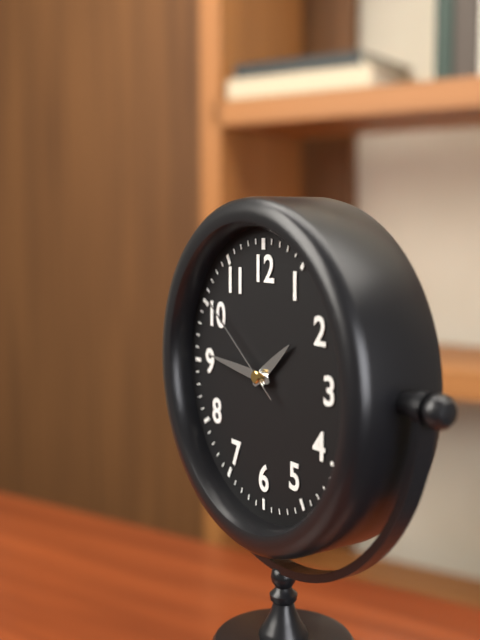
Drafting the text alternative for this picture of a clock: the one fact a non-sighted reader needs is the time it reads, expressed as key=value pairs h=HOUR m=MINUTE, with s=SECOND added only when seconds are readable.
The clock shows h=1 m=46 s=51
